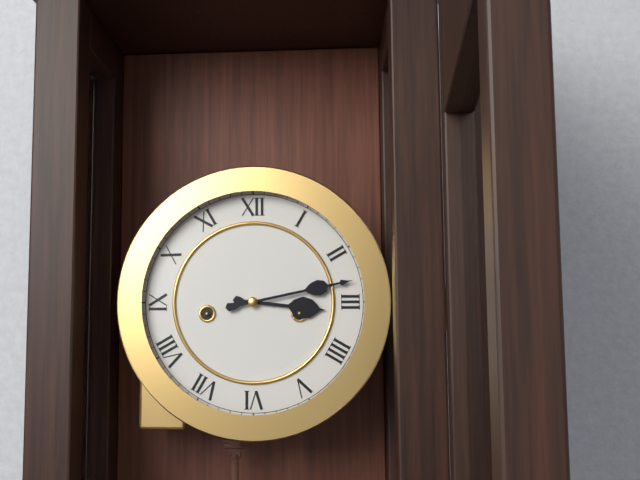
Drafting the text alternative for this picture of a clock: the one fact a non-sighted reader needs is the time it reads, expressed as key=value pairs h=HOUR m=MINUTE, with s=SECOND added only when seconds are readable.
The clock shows h=3 m=13
